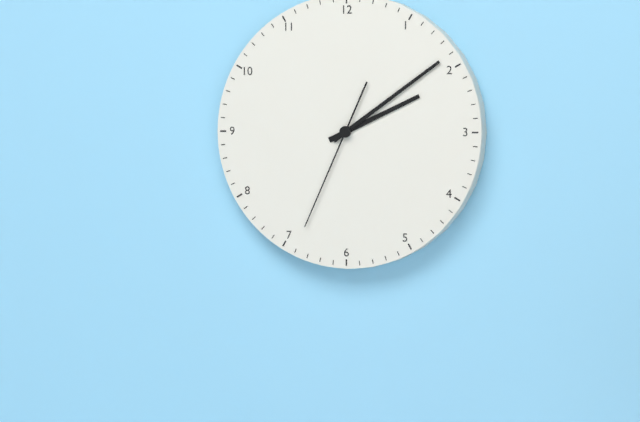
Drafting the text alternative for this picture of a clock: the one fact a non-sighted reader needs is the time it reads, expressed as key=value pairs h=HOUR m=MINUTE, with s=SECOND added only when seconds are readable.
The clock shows h=2 m=9 s=34
